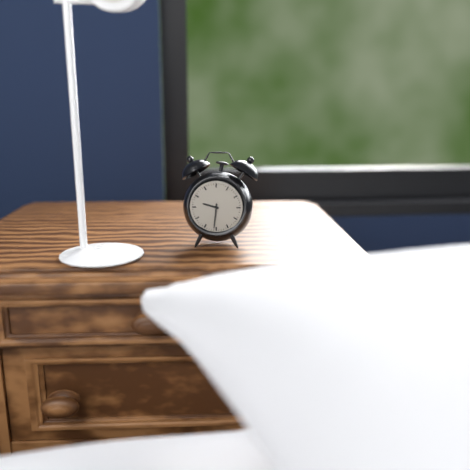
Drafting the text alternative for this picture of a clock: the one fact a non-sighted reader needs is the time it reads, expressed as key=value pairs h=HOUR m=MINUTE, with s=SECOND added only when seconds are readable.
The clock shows h=9 m=31
